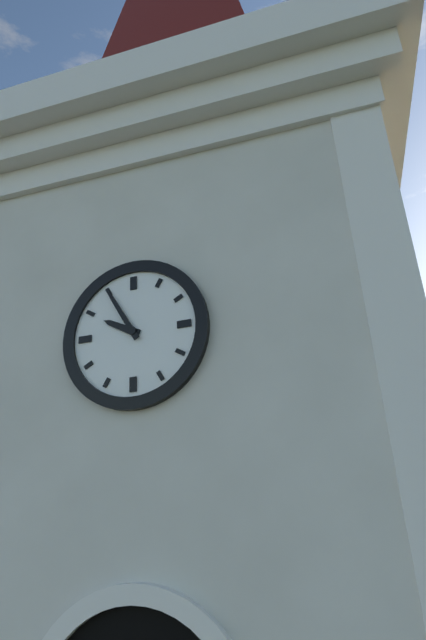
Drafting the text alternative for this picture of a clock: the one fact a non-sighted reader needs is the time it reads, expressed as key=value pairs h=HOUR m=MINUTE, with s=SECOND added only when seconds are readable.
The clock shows h=9 m=55
